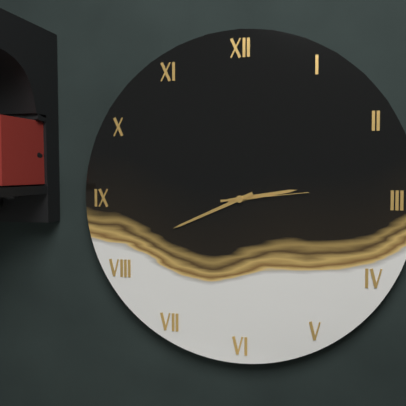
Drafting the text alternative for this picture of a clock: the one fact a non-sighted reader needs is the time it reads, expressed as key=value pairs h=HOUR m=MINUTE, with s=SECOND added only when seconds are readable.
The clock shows h=2 m=41 s=14
